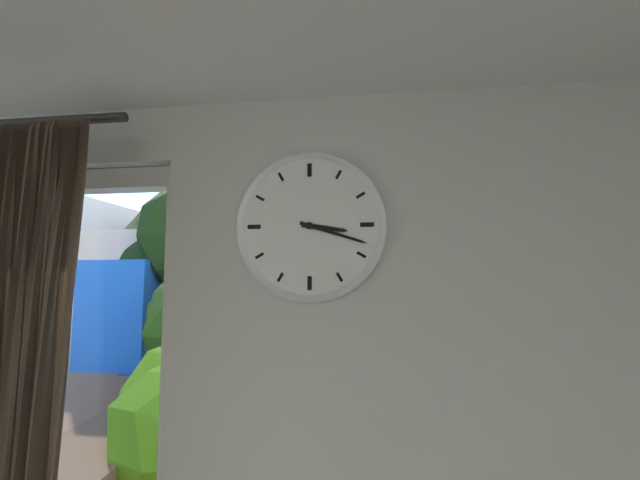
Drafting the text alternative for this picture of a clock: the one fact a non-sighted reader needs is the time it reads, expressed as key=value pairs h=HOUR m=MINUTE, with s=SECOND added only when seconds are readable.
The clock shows h=3 m=18
